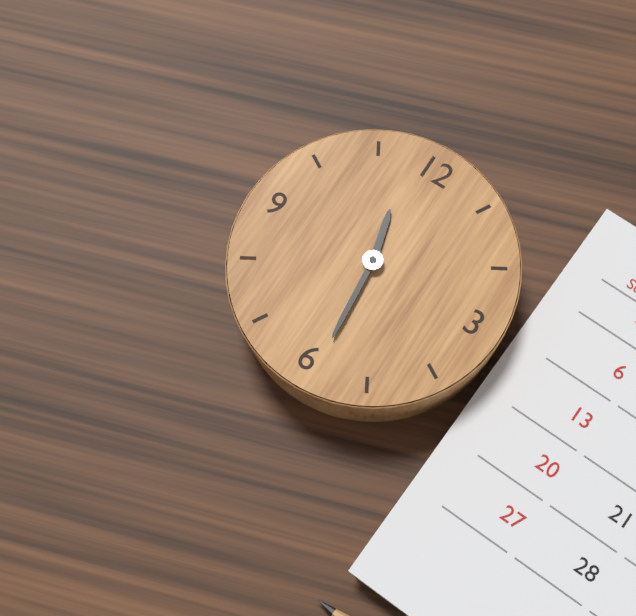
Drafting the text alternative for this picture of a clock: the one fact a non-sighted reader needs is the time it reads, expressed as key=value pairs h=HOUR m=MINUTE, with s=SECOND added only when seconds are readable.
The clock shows h=11 m=29
